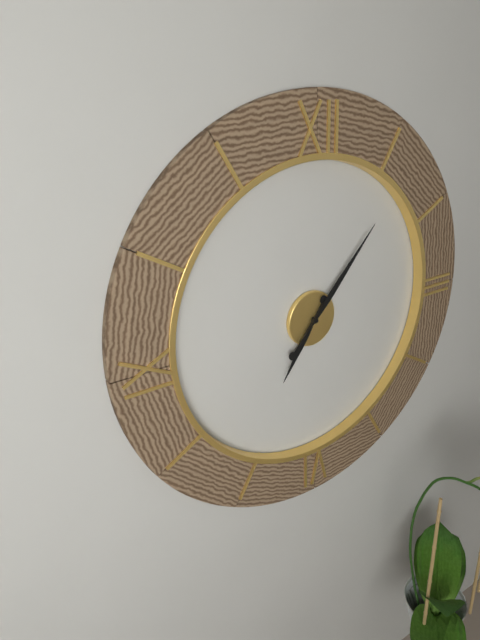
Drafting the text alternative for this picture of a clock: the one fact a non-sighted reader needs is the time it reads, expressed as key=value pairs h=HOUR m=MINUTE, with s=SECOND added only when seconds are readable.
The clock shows h=7 m=7
